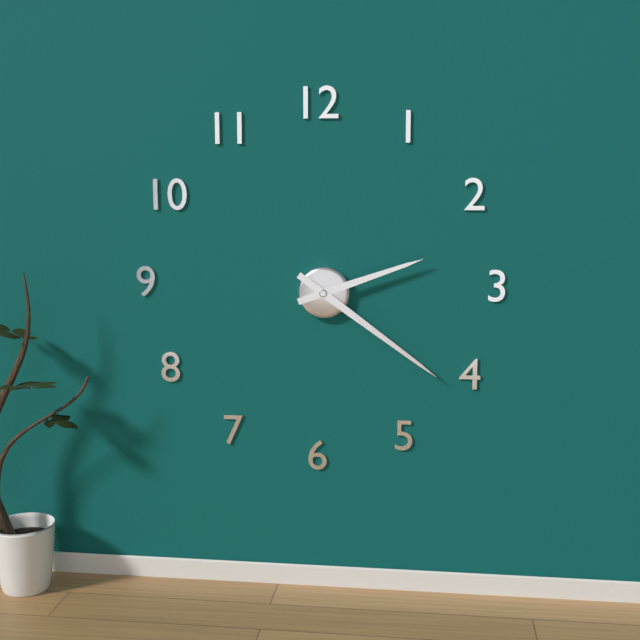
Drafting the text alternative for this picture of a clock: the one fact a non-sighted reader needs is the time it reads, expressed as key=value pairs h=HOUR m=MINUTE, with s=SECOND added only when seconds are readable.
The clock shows h=2 m=21
